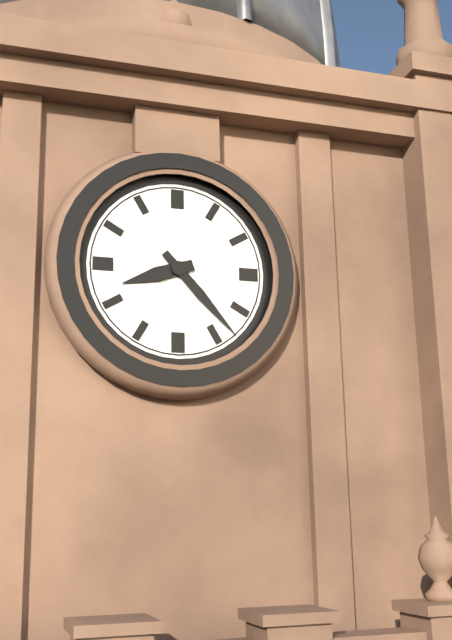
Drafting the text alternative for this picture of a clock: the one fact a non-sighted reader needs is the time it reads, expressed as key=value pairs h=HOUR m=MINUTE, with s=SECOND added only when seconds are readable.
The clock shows h=8 m=23
